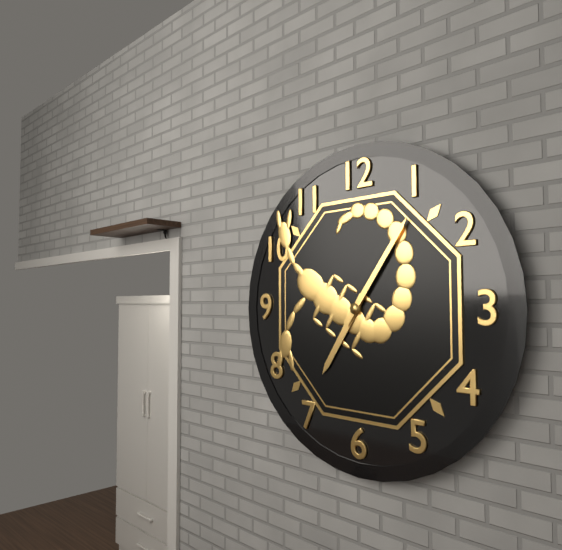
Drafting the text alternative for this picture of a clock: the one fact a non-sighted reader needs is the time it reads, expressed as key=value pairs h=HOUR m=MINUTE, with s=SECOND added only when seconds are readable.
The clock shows h=7 m=6
